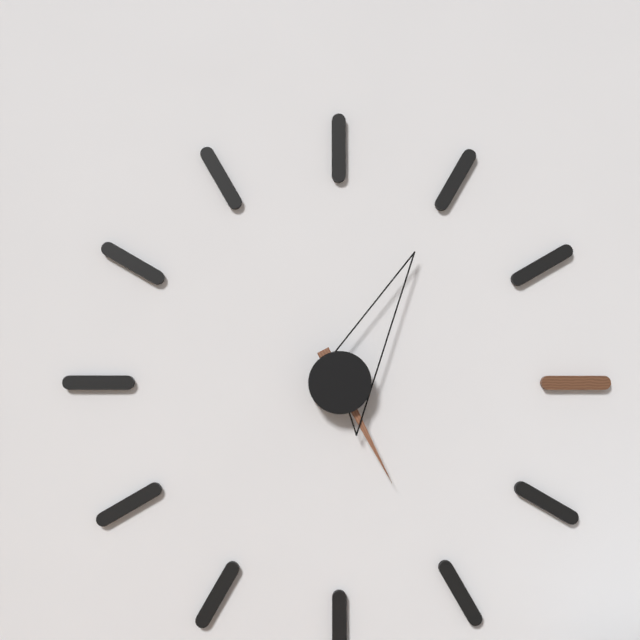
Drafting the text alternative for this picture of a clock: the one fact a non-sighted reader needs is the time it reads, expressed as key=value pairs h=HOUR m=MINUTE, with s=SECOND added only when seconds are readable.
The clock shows h=5 m=5
